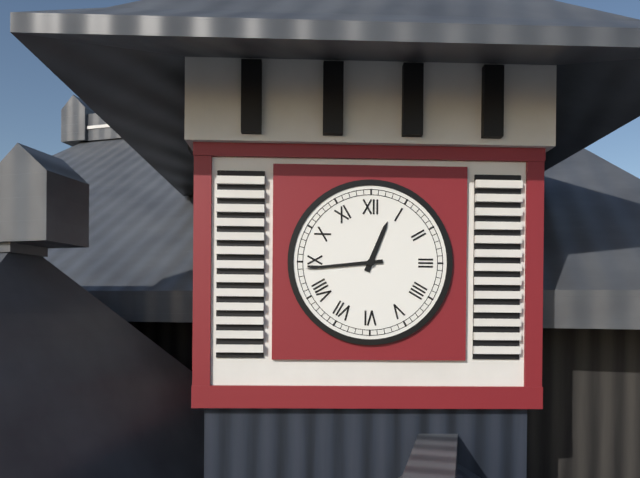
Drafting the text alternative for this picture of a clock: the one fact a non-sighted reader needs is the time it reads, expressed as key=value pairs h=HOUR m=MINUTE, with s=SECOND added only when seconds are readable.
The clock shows h=12 m=44
